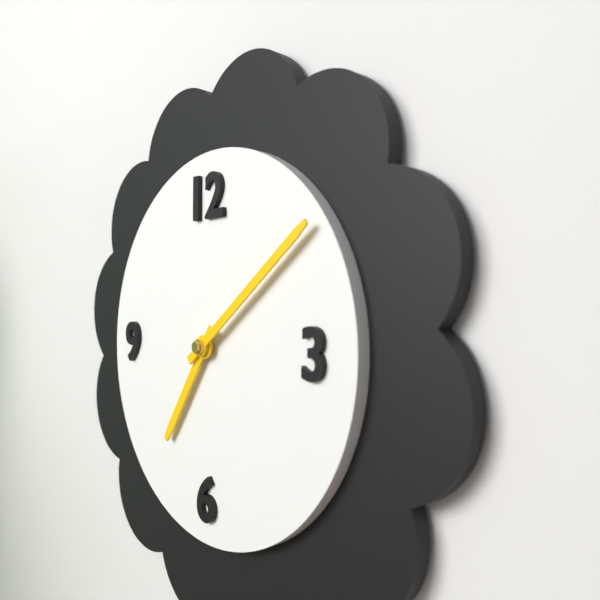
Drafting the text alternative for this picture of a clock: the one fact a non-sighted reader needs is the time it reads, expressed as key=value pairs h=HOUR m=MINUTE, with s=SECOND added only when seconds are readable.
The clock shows h=7 m=9
